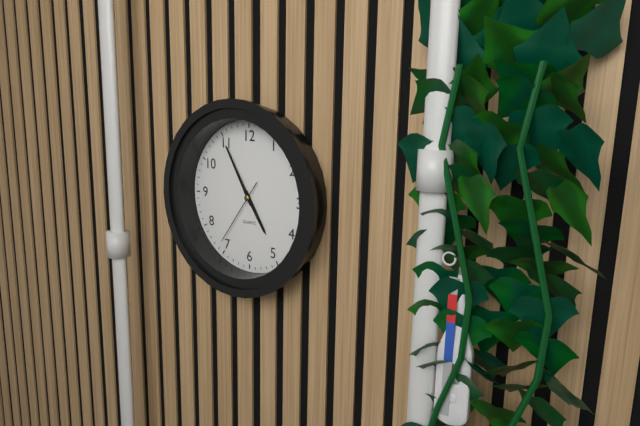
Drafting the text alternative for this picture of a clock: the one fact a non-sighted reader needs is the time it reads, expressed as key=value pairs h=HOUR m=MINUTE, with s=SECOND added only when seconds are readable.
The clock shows h=4 m=55 s=36
